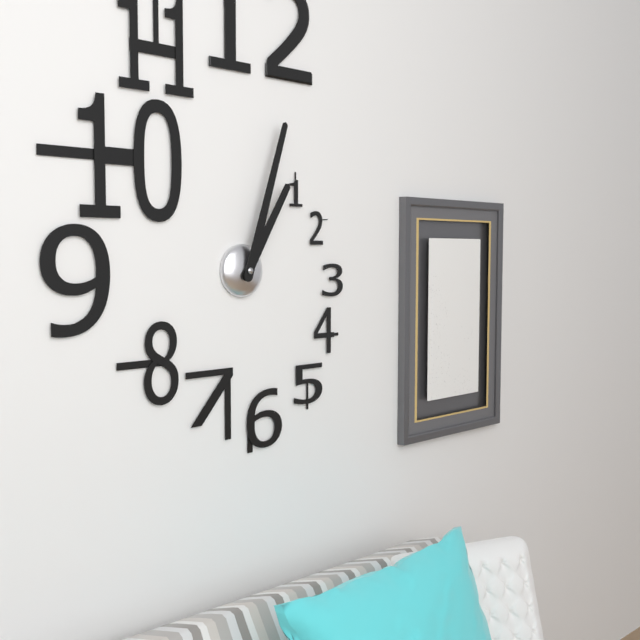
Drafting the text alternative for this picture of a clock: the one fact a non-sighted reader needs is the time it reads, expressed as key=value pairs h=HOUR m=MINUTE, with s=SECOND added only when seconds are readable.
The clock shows h=1 m=3
